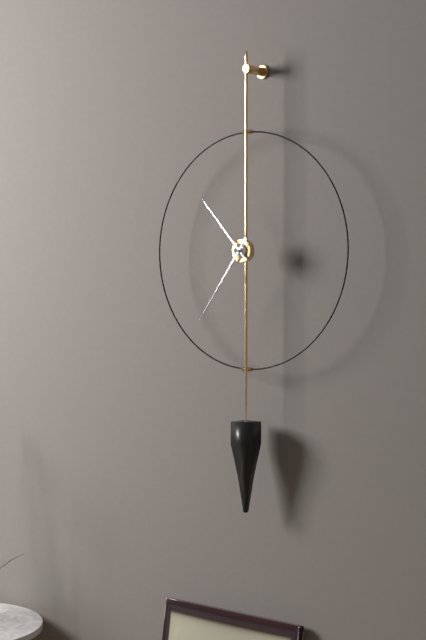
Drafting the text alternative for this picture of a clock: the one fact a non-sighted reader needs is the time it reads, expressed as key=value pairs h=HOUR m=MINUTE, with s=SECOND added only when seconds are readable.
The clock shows h=10 m=36
